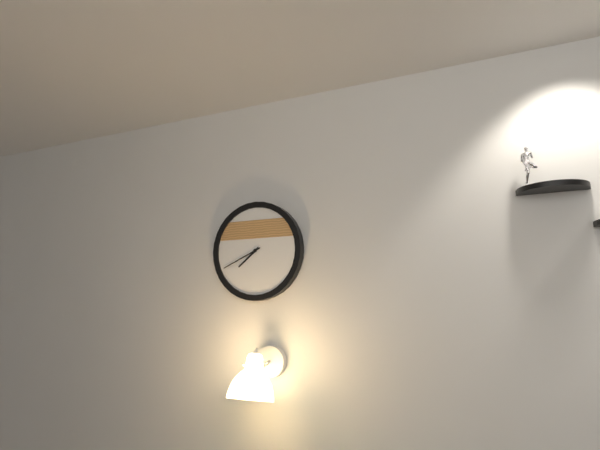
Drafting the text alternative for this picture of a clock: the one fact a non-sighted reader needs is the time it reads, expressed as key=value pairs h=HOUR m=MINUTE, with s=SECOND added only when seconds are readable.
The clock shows h=7 m=41
